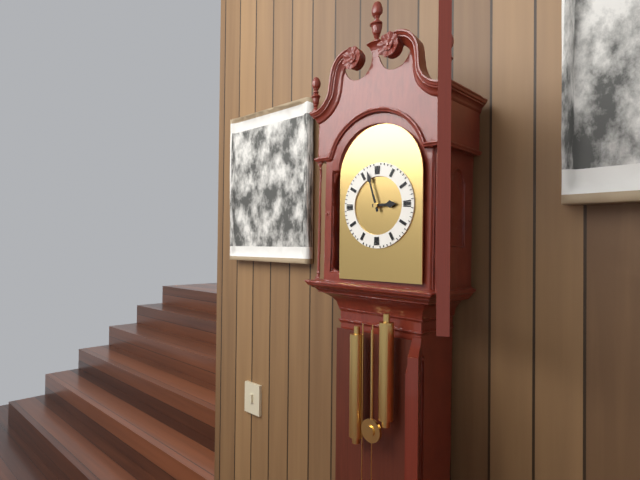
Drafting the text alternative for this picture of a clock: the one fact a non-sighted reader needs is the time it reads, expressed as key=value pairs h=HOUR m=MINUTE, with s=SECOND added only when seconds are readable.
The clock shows h=2 m=57
